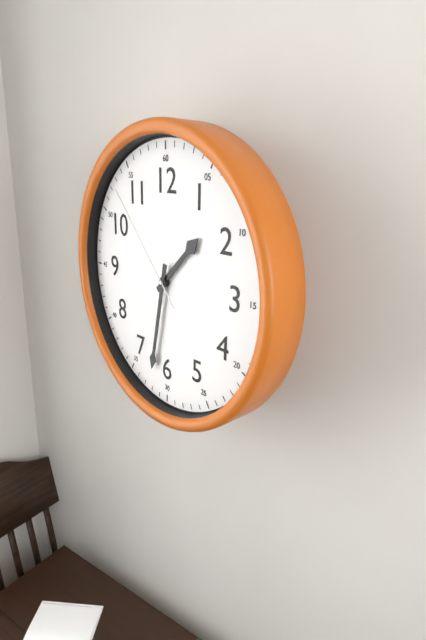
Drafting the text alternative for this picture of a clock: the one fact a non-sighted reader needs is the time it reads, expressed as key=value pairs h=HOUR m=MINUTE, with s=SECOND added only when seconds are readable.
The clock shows h=1 m=32 s=53
